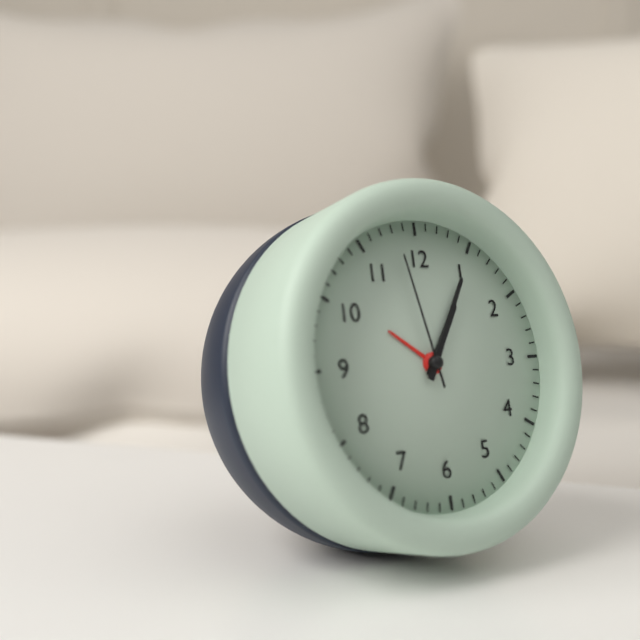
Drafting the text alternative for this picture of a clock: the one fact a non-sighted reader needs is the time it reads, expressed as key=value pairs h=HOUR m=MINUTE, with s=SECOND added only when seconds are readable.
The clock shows h=1 m=5 s=58
